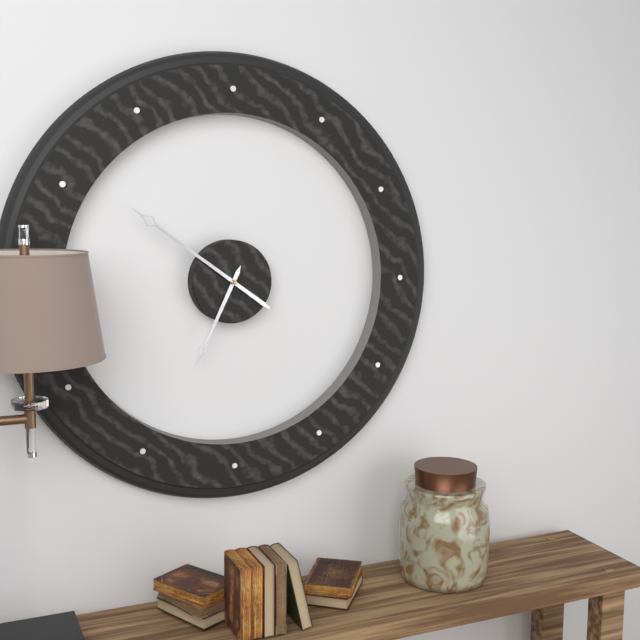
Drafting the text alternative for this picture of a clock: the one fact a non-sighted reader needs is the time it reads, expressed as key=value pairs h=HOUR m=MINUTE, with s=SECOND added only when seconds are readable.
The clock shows h=6 m=51
